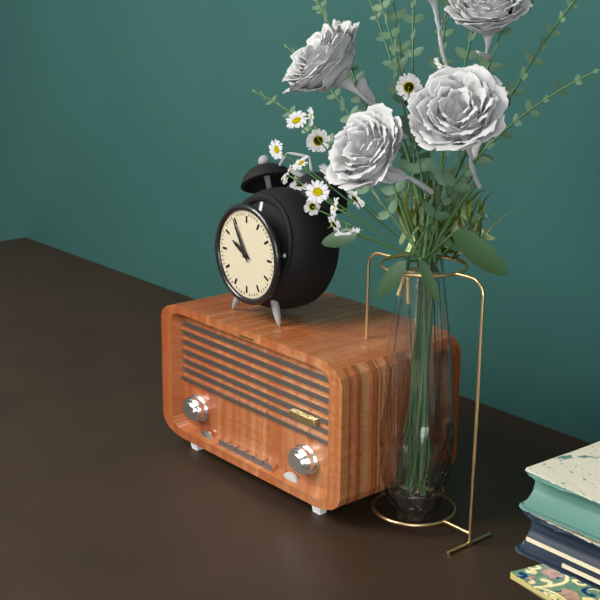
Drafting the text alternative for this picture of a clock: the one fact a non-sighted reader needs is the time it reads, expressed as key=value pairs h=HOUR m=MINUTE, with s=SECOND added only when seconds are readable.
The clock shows h=9 m=55
